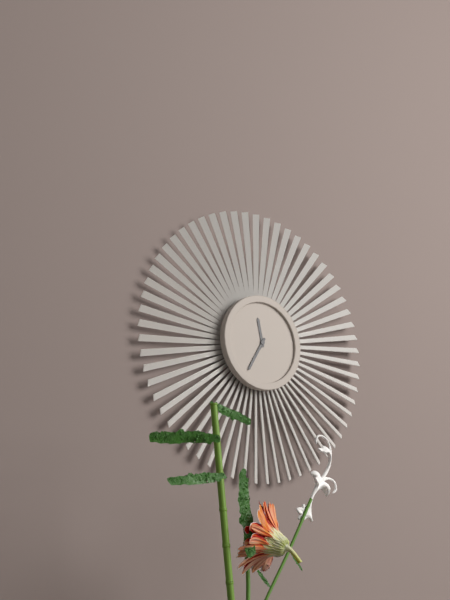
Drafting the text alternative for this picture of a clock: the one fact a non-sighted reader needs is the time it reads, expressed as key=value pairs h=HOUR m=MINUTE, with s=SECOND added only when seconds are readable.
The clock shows h=11 m=35
